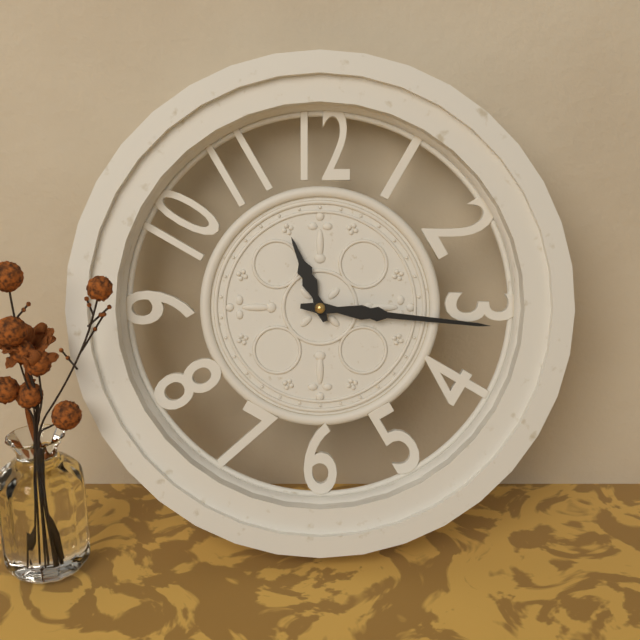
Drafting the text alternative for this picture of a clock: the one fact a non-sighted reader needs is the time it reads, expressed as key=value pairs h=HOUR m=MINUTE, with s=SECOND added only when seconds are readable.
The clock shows h=11 m=16
